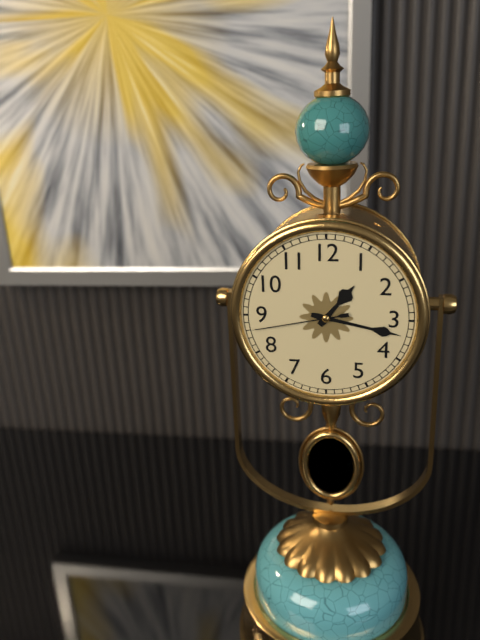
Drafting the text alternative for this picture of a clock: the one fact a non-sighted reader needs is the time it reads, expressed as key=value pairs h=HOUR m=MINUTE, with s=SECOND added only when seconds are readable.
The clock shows h=1 m=17 s=43
